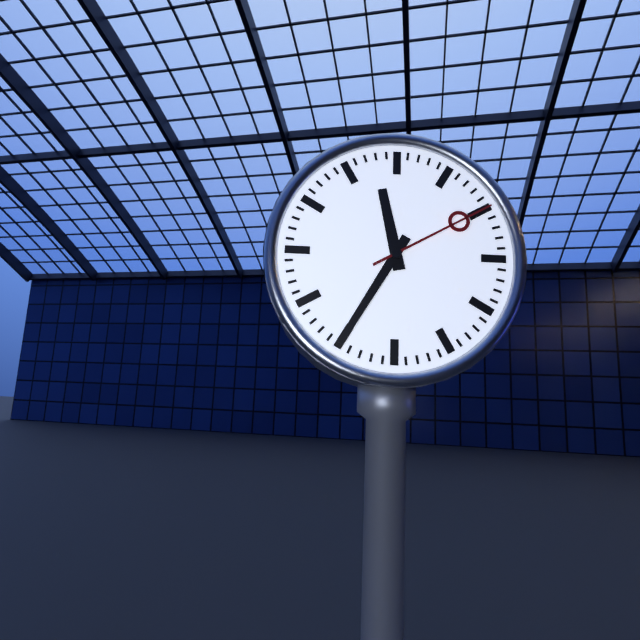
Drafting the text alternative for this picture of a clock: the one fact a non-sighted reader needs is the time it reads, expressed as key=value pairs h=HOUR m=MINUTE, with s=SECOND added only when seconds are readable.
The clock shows h=11 m=35 s=10
